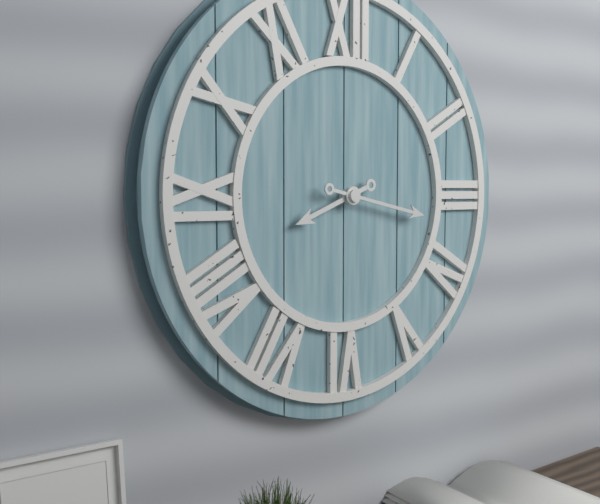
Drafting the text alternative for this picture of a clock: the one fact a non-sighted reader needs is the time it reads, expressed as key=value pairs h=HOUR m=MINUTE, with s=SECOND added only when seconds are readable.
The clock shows h=8 m=17
